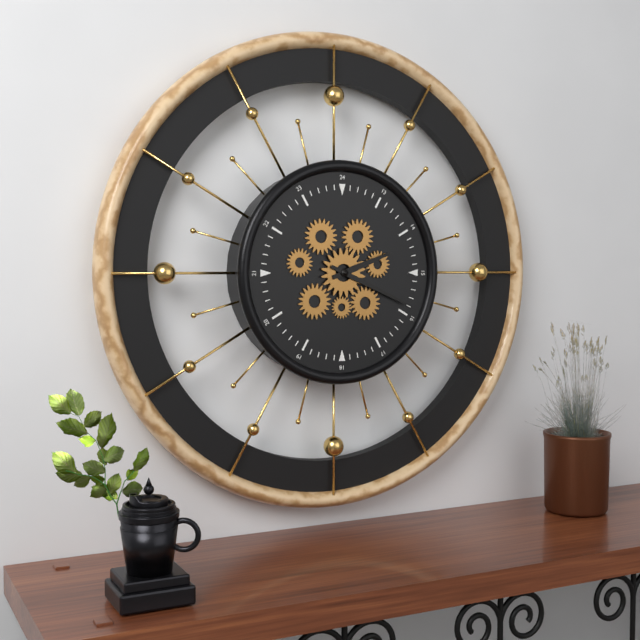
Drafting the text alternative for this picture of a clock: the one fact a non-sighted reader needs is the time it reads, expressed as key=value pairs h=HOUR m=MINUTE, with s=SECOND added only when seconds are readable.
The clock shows h=2 m=19
